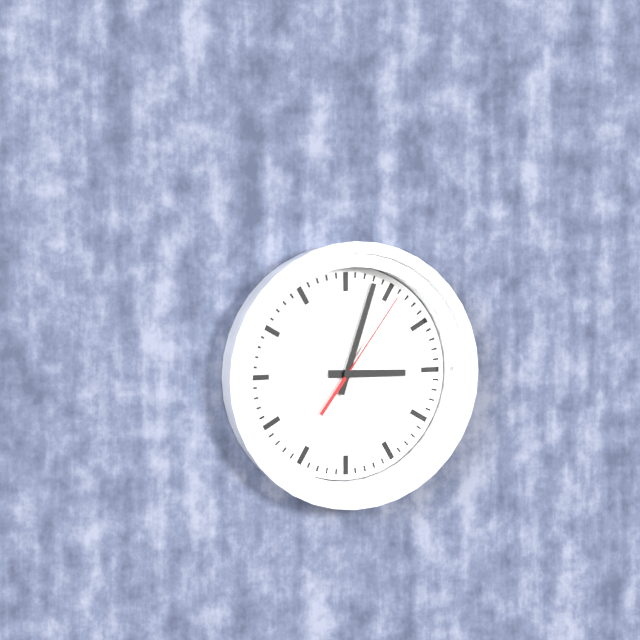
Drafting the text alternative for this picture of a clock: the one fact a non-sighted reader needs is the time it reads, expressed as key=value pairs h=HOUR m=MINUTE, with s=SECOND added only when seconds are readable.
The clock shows h=3 m=3 s=6
